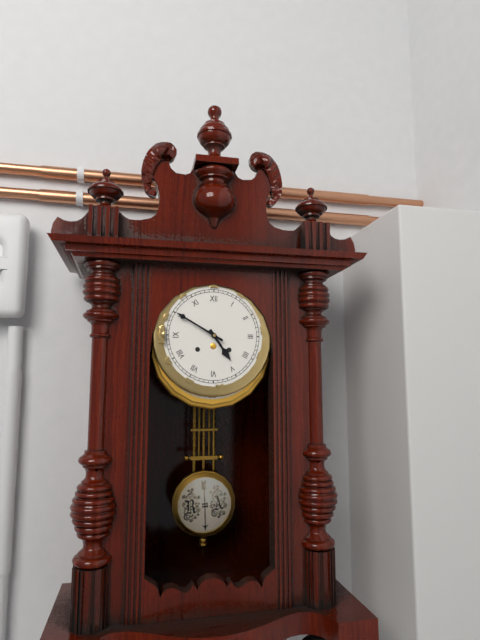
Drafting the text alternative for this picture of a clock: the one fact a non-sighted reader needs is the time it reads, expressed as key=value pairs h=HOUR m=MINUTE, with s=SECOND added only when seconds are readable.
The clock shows h=4 m=50
